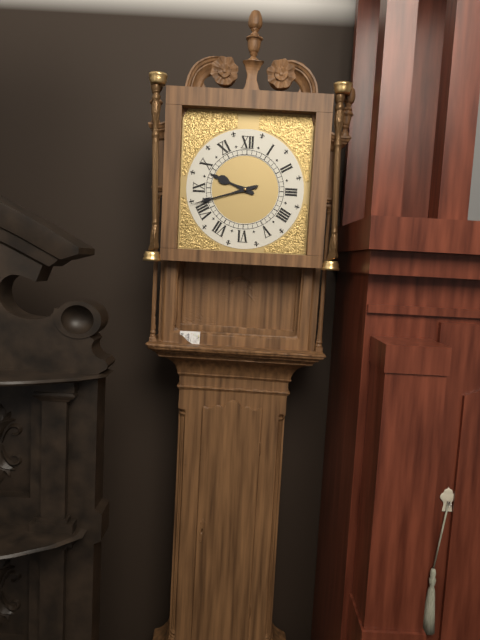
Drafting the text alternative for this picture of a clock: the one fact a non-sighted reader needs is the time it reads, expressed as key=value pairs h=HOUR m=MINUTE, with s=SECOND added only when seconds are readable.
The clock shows h=9 m=42
